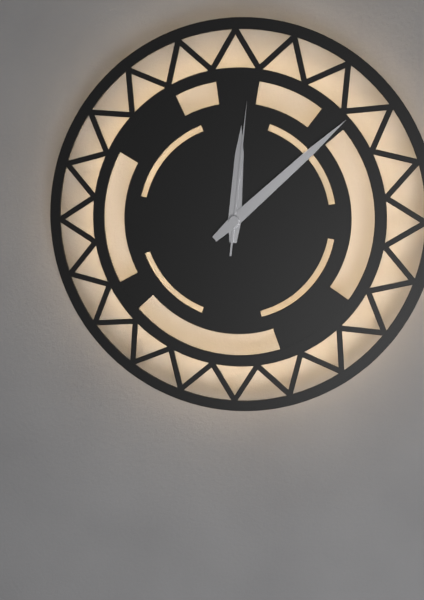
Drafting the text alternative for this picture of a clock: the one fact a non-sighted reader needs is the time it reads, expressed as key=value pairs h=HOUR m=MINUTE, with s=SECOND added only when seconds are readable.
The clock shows h=12 m=8 s=1
